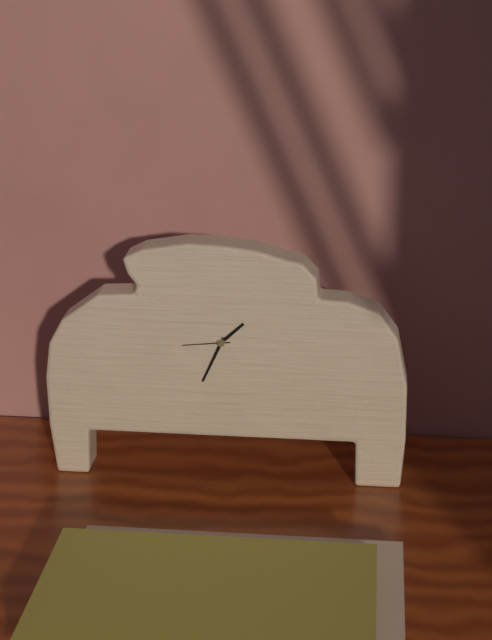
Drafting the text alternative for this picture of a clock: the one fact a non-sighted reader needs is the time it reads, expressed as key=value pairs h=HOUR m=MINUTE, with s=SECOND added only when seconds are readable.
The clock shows h=1 m=34
